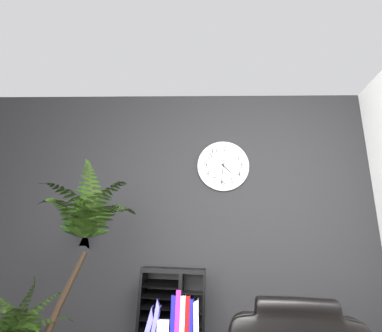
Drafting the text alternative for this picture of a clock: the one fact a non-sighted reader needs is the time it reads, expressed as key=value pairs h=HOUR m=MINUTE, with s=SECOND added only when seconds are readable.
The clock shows h=4 m=31
